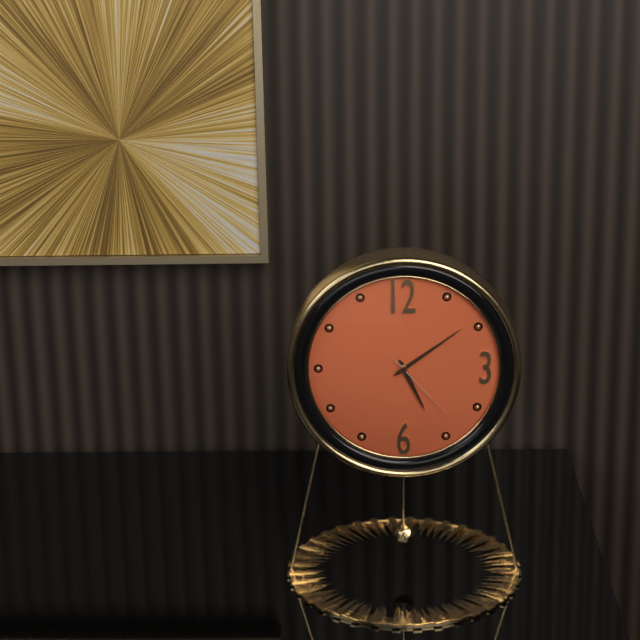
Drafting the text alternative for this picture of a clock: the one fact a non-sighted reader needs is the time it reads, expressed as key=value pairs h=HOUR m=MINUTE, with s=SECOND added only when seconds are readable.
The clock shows h=5 m=9 s=23
